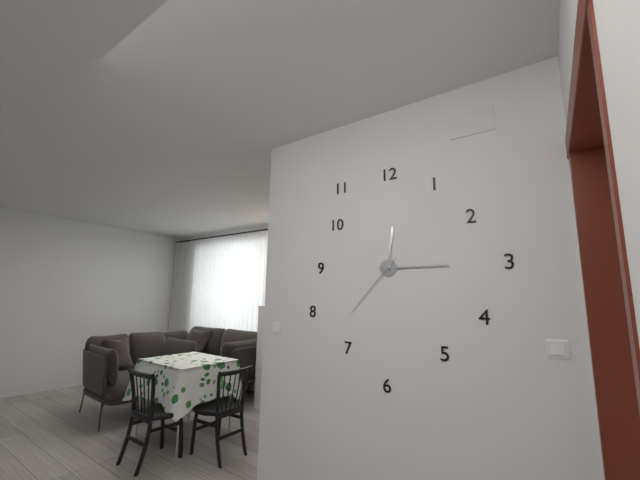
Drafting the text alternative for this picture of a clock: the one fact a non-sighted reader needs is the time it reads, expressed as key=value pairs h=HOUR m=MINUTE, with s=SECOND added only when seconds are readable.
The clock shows h=12 m=15 s=37
